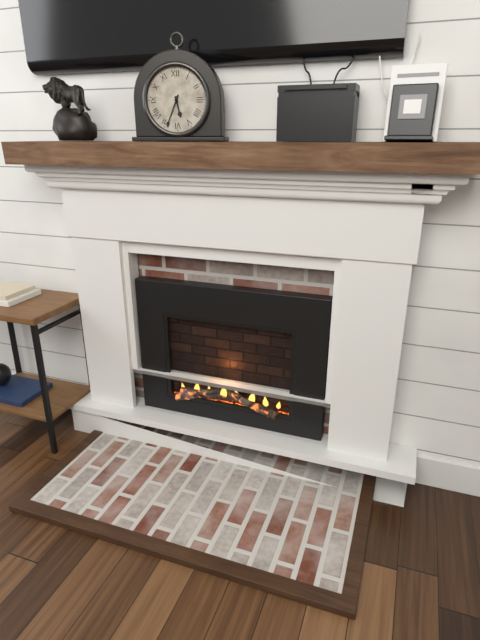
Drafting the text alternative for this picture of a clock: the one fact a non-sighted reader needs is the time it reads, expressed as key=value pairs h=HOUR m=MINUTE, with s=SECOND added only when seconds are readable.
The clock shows h=5 m=34
